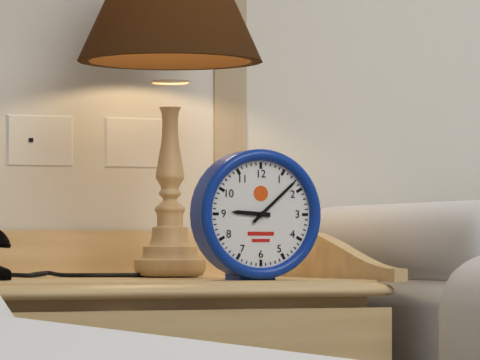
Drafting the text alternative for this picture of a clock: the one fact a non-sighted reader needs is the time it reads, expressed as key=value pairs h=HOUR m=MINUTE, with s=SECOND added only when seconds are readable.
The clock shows h=9 m=8
